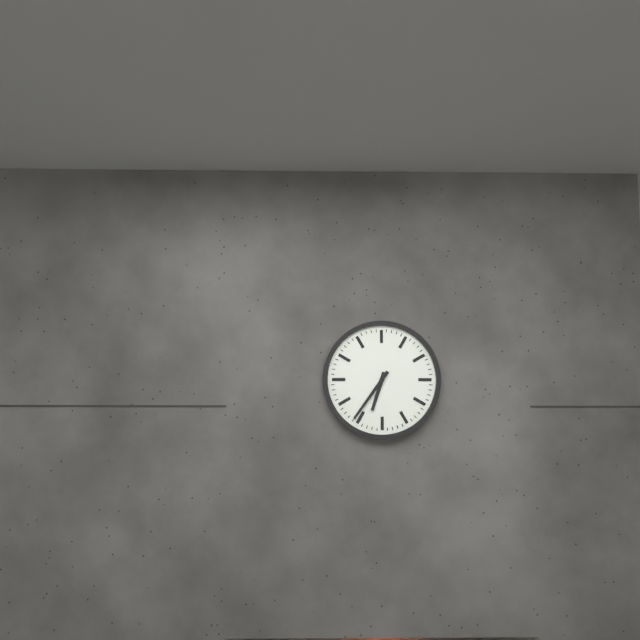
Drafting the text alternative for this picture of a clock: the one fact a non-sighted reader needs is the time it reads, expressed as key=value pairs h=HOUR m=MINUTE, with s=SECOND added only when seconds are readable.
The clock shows h=6 m=36
